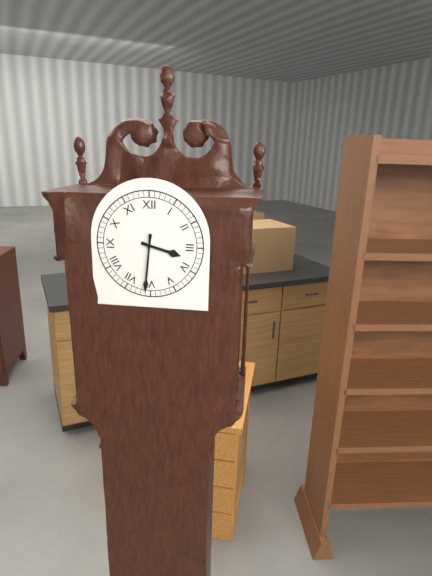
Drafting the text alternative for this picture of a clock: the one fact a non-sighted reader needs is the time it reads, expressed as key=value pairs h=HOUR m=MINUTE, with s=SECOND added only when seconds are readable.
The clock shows h=3 m=31
